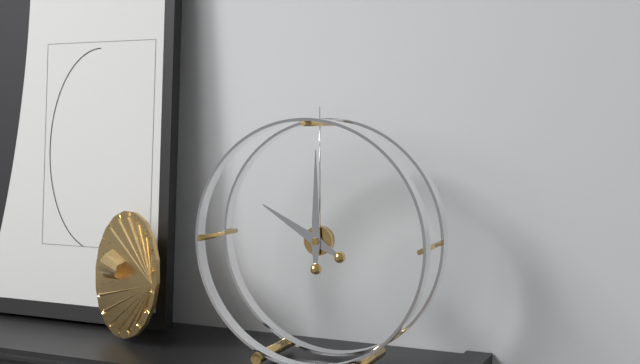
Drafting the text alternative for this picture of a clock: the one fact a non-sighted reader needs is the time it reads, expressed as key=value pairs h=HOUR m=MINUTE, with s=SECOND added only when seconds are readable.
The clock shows h=10 m=0
